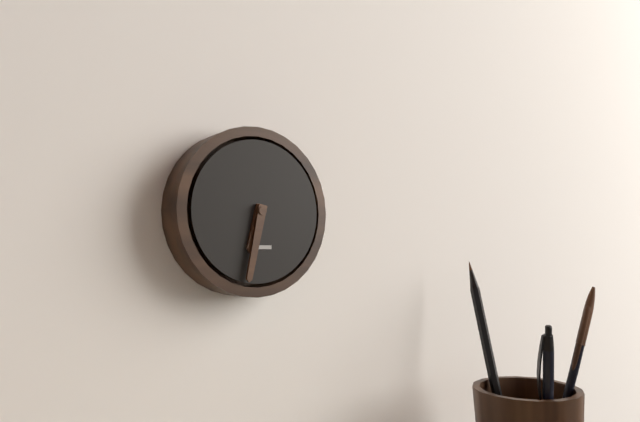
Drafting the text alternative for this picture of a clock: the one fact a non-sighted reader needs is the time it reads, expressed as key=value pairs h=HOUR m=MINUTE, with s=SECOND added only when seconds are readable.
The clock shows h=6 m=32
